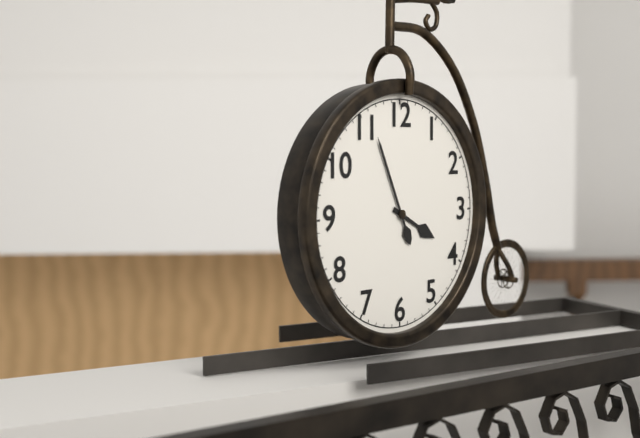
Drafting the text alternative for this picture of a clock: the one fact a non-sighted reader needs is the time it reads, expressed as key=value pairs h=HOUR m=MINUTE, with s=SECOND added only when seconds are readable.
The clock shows h=3 m=56
